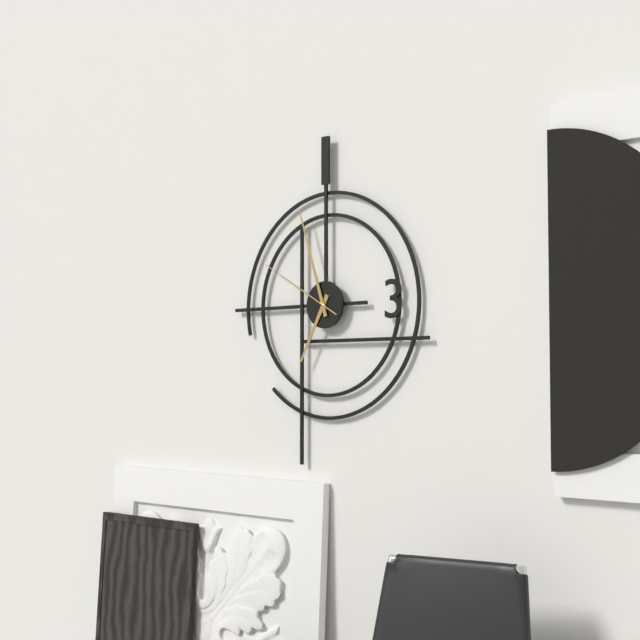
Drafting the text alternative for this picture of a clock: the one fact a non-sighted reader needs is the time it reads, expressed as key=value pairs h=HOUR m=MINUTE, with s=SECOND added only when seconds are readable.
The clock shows h=6 m=57 s=50
